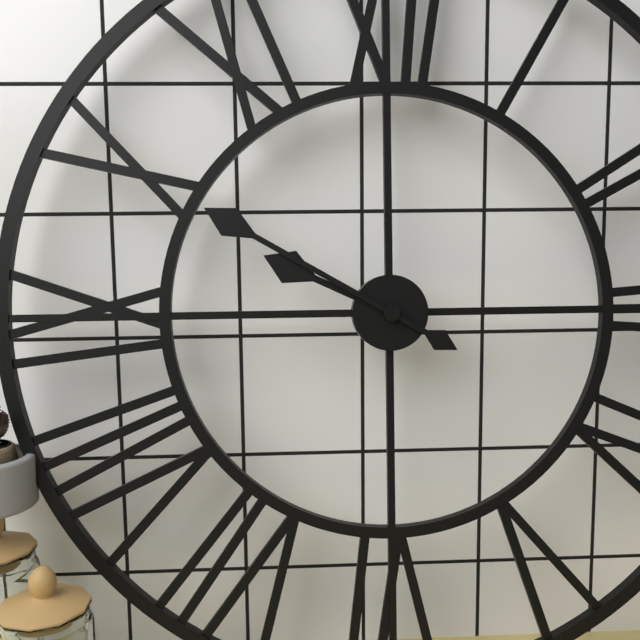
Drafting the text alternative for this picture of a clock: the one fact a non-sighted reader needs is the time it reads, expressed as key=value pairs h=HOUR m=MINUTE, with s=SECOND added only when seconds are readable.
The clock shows h=9 m=50
